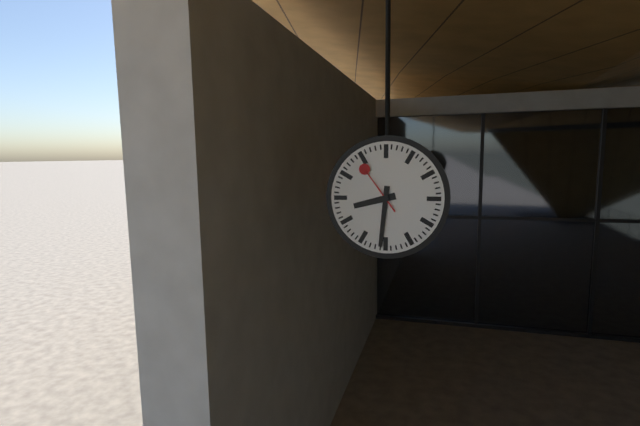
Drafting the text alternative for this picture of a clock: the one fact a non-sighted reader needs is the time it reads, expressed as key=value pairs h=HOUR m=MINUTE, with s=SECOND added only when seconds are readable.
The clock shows h=8 m=31 s=54
